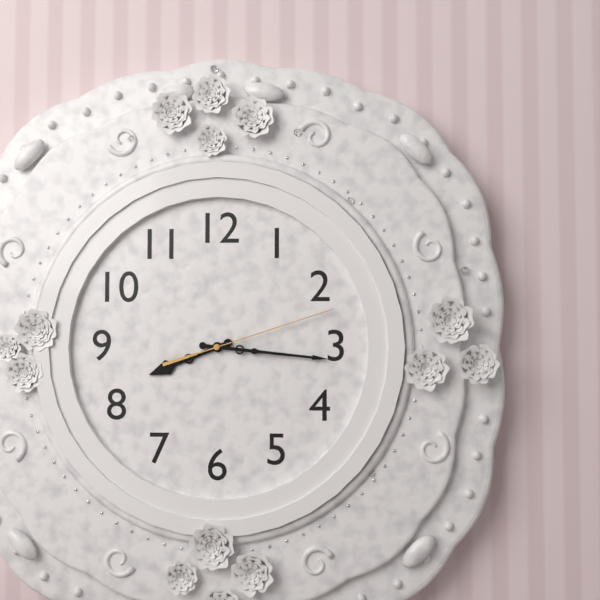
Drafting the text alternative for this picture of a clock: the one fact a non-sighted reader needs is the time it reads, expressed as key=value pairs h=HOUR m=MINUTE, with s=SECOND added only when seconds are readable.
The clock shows h=8 m=16 s=12
